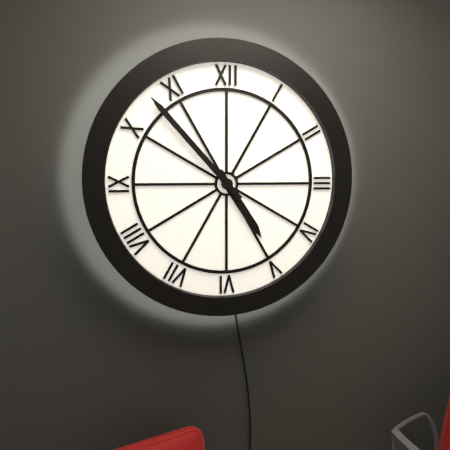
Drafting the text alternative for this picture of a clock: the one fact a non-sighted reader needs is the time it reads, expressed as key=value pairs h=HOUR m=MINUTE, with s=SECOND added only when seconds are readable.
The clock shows h=4 m=53
